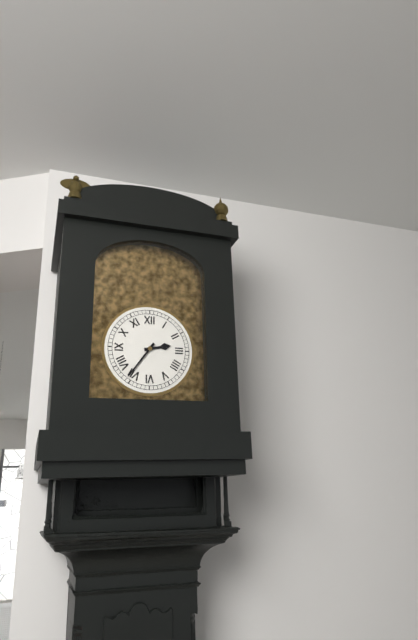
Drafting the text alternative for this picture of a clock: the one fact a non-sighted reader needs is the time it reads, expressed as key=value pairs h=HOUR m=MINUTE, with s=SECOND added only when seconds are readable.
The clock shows h=2 m=36
